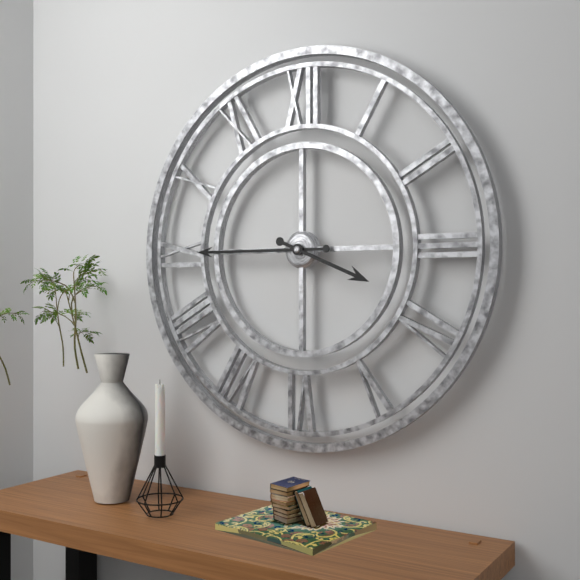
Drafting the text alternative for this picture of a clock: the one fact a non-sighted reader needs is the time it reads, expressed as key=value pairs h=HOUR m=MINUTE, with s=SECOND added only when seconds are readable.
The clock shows h=3 m=45
